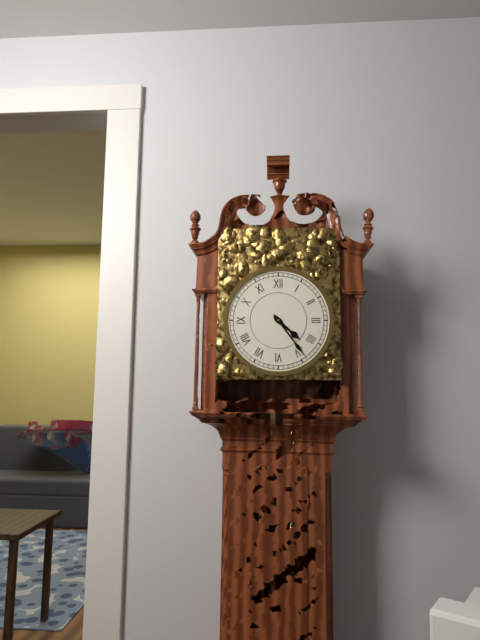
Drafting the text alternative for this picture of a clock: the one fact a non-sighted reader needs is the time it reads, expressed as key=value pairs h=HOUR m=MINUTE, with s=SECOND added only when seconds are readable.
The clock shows h=4 m=24
